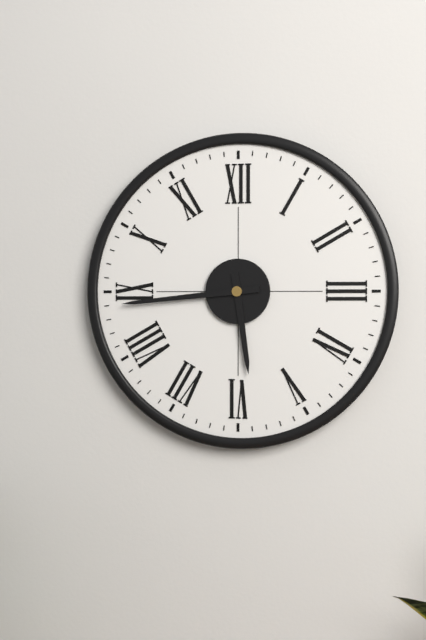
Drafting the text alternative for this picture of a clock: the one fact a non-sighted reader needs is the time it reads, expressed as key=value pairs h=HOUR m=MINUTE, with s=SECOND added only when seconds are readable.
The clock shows h=5 m=44
